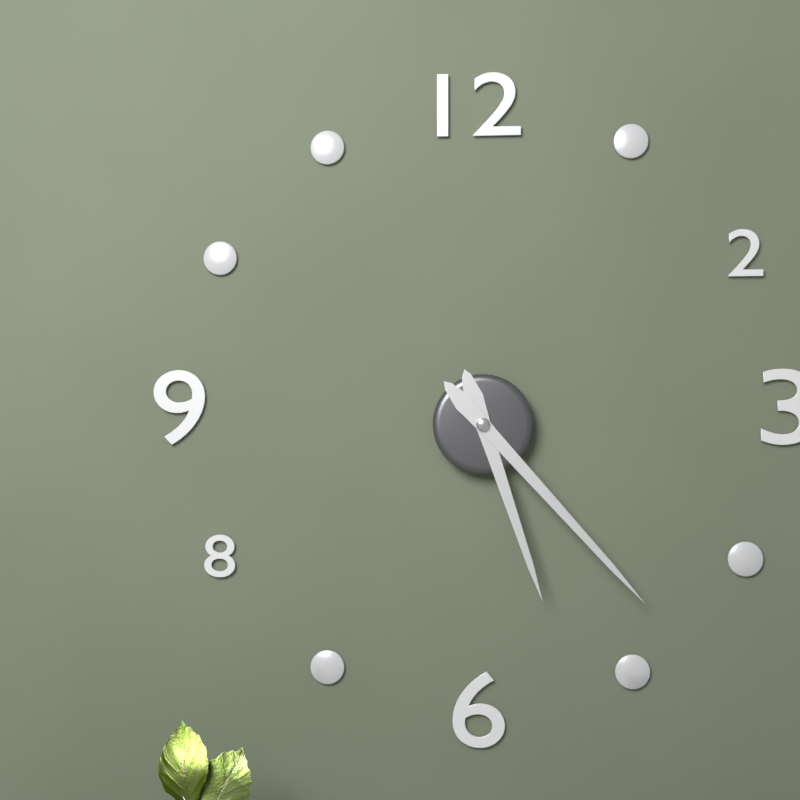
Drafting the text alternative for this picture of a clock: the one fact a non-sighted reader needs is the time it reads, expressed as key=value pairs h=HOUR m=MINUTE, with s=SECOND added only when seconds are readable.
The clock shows h=5 m=23
